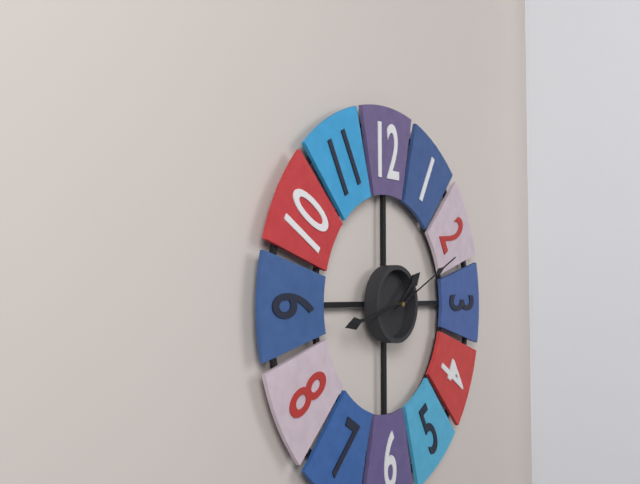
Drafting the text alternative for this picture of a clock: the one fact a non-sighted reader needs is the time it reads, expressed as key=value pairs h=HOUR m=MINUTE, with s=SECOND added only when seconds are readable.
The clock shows h=1 m=43 s=11
